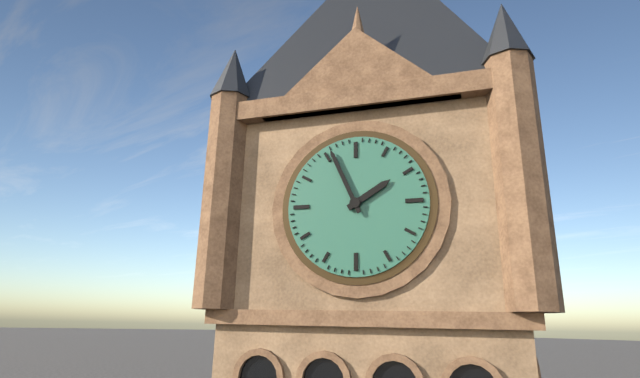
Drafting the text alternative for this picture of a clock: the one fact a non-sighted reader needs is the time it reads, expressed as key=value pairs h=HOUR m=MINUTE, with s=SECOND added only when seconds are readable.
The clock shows h=1 m=56
